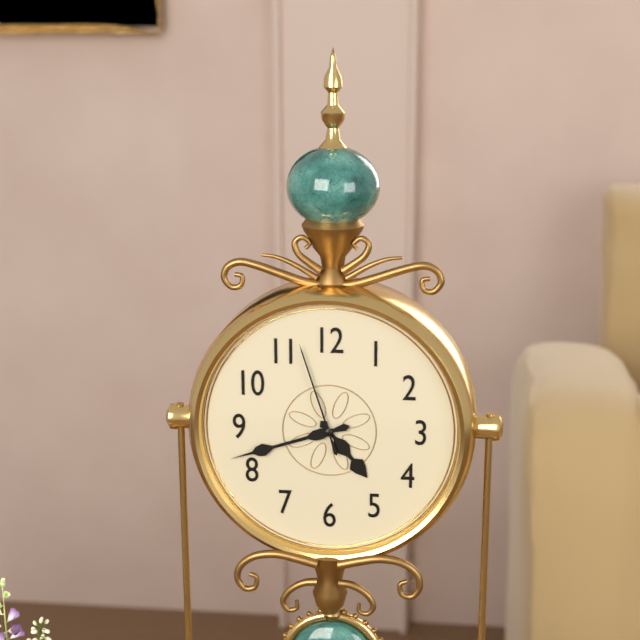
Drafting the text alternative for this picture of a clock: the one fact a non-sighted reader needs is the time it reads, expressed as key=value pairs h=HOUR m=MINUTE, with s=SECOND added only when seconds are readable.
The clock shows h=4 m=42 s=57
